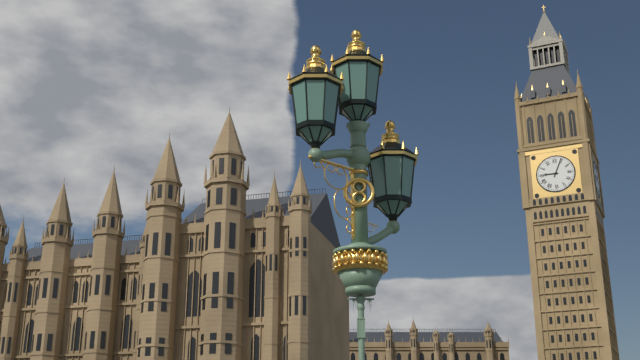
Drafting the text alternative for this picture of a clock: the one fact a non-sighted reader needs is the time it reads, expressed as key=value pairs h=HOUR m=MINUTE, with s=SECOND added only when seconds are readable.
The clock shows h=9 m=4
